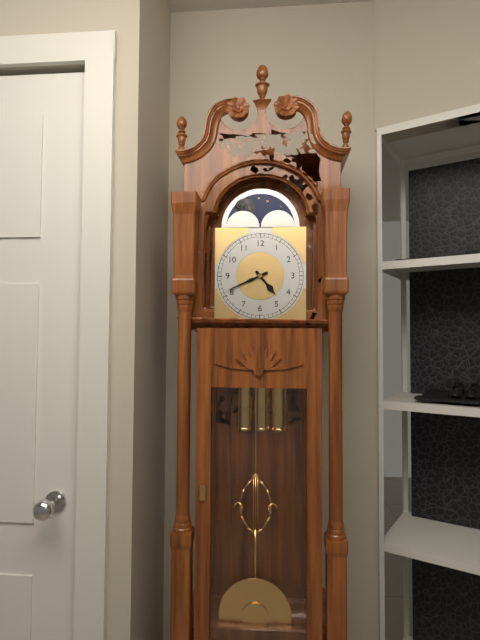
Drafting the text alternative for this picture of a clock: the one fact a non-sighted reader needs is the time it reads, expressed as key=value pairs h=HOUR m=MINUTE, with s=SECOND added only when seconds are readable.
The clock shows h=4 m=41
